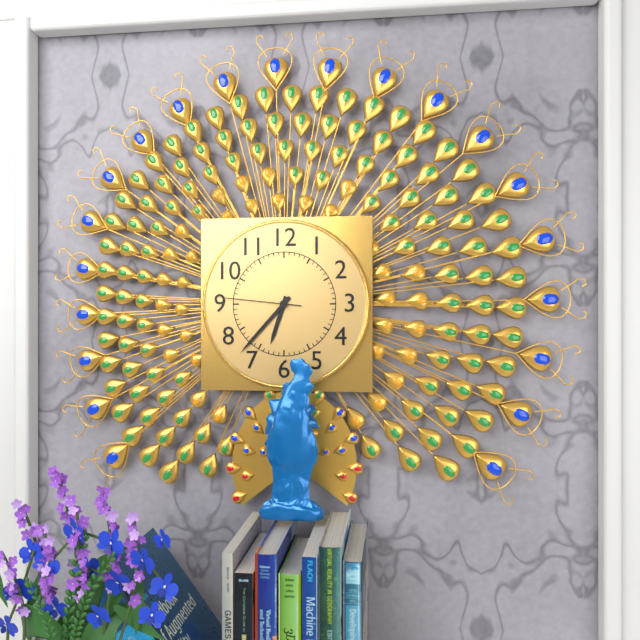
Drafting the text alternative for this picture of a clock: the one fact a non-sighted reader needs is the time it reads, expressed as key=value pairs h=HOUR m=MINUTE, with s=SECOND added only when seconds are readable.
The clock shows h=6 m=37 s=46
